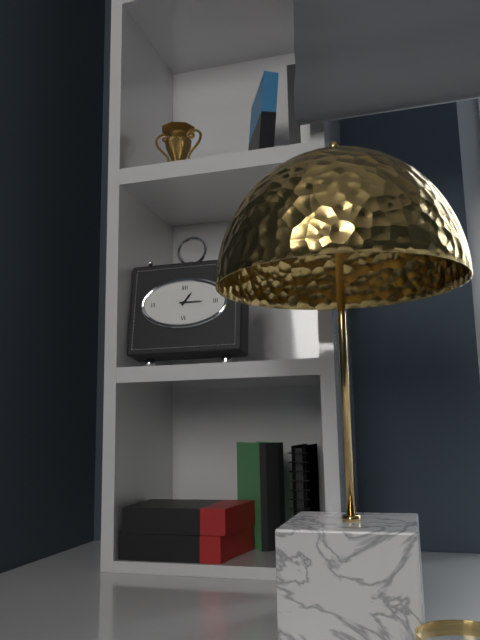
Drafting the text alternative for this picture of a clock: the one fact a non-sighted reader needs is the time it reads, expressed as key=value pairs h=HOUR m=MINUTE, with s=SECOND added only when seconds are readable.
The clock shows h=1 m=15
